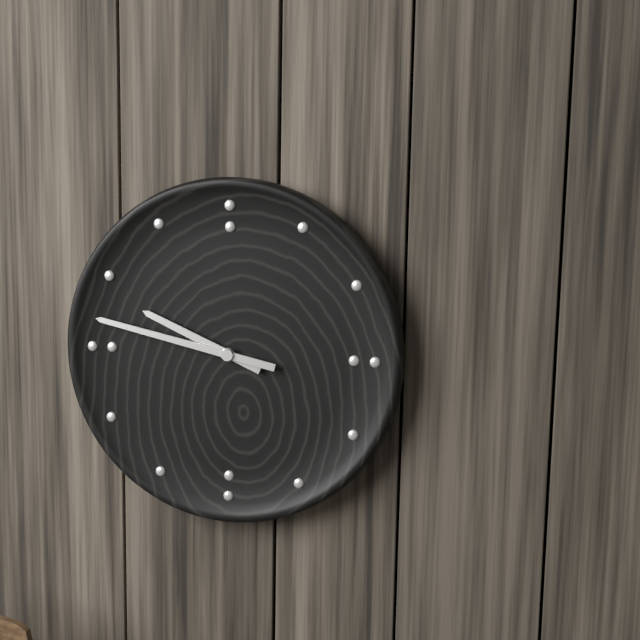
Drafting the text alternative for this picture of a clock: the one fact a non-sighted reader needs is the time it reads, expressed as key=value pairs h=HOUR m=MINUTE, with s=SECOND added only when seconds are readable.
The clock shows h=9 m=47
